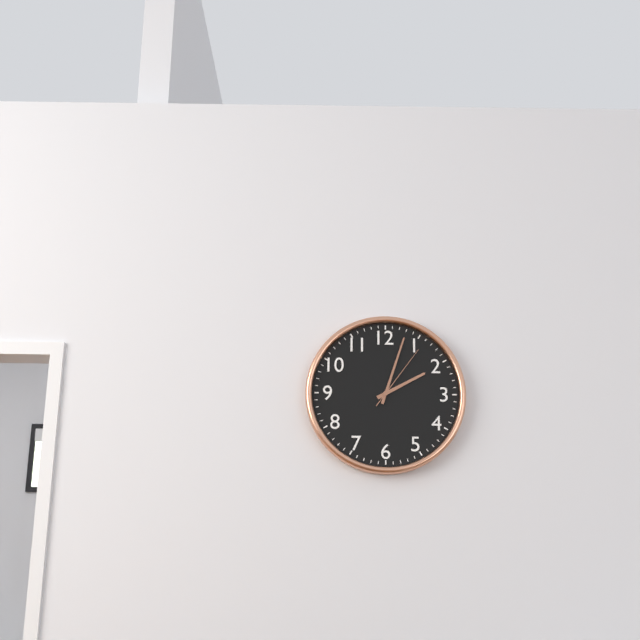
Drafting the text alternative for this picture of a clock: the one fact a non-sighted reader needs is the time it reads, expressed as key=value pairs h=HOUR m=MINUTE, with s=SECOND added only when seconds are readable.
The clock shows h=2 m=3 s=6
